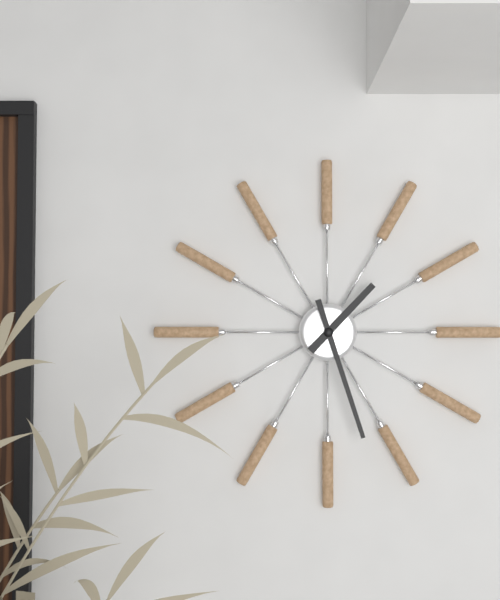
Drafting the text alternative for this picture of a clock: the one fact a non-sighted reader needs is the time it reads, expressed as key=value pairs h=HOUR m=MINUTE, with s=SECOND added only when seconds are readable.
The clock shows h=1 m=27
